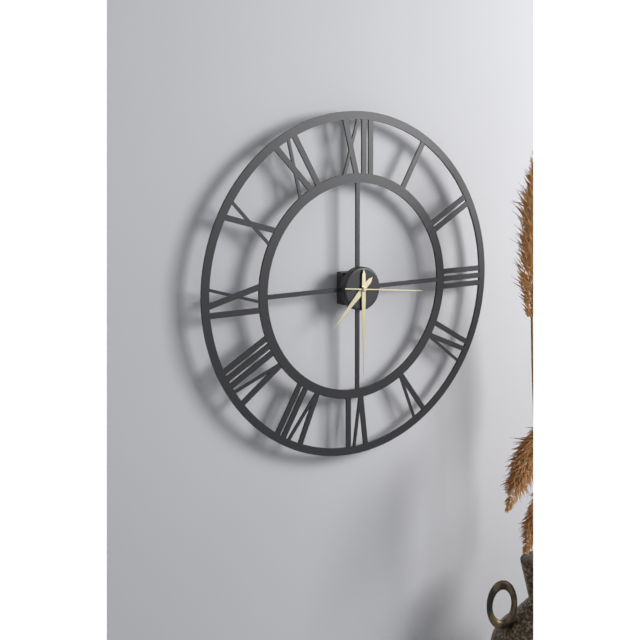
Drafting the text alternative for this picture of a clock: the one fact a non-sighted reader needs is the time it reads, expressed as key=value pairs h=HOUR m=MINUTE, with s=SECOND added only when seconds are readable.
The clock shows h=7 m=30 s=16
